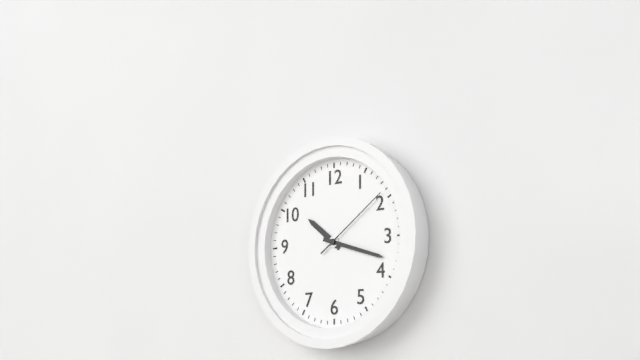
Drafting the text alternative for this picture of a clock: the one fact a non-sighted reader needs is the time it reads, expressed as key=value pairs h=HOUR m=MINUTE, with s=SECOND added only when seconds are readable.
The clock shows h=10 m=18 s=9
